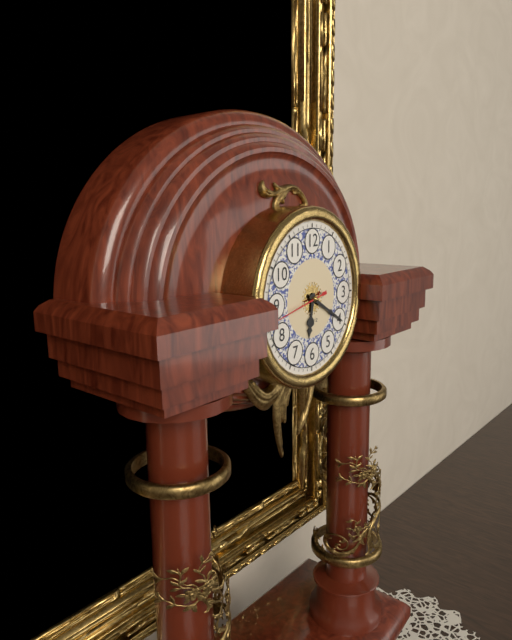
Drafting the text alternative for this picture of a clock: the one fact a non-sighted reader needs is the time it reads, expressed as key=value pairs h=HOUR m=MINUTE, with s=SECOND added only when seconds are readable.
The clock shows h=6 m=20 s=43
